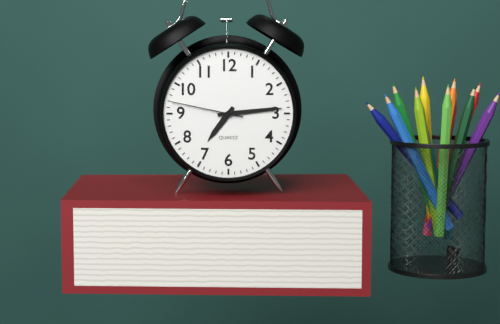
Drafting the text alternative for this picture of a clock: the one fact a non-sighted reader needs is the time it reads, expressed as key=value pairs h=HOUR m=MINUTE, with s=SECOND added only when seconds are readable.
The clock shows h=7 m=14 s=47
